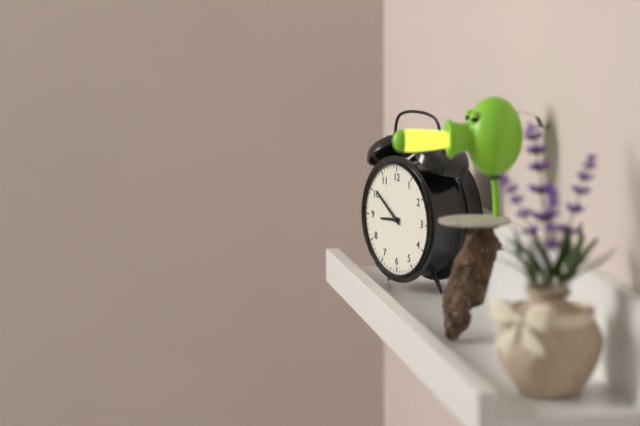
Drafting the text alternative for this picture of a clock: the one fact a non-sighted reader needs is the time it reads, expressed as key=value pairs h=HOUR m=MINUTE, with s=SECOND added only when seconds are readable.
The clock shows h=8 m=51
